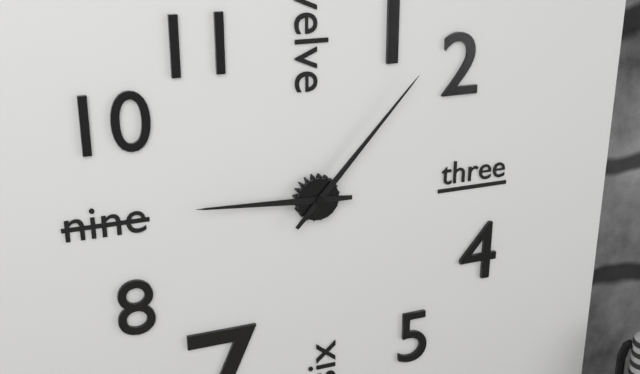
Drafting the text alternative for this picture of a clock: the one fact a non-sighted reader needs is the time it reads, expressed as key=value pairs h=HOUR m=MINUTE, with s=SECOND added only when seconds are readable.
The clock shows h=9 m=7
